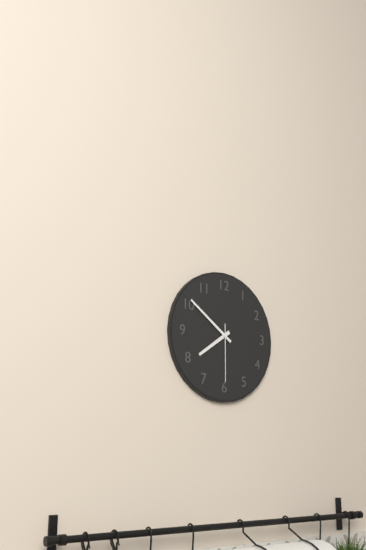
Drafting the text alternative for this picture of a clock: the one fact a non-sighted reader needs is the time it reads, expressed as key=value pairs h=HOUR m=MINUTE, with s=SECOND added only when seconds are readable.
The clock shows h=7 m=51 s=30
